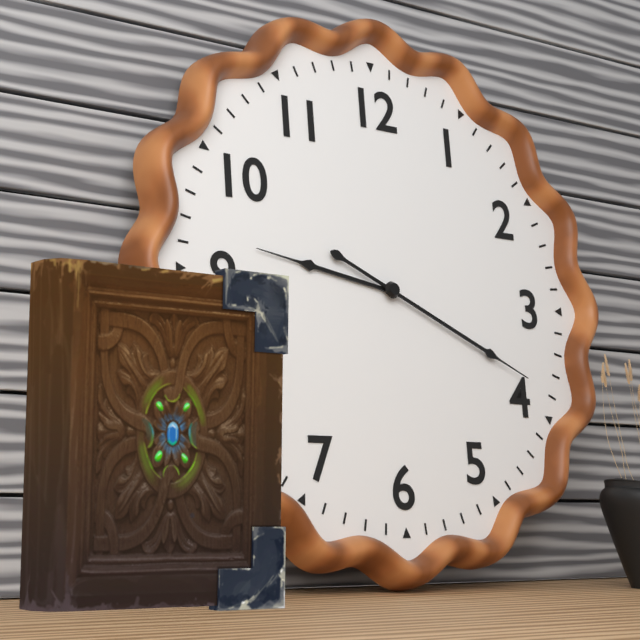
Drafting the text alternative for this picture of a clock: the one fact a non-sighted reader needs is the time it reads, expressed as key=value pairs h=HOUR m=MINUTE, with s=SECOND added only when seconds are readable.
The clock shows h=9 m=19
